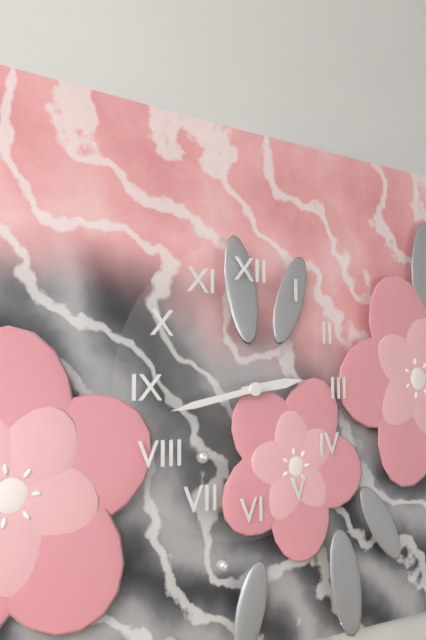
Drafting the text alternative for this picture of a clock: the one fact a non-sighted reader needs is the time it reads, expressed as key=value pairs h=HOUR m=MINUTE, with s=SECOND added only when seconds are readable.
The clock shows h=2 m=43
